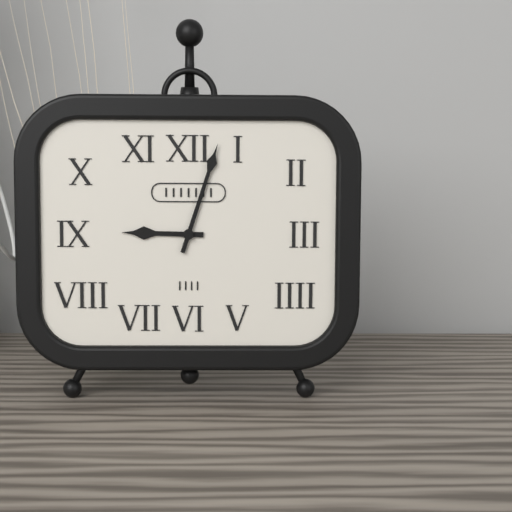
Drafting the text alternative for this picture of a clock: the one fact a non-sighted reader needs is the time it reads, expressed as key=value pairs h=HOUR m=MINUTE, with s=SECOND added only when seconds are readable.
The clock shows h=9 m=3
